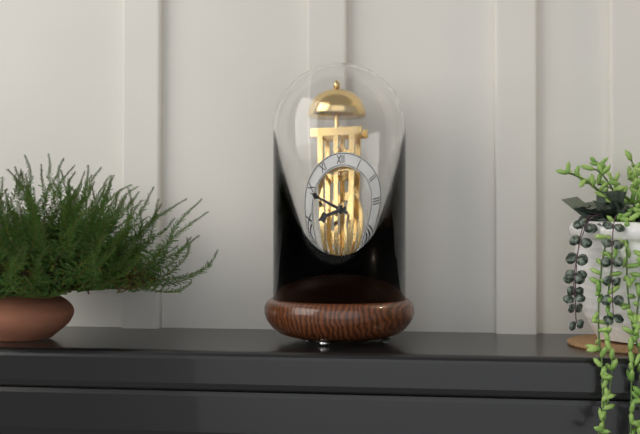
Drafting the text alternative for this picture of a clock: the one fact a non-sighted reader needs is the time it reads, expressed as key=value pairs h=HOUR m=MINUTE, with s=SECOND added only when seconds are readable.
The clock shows h=8 m=49
